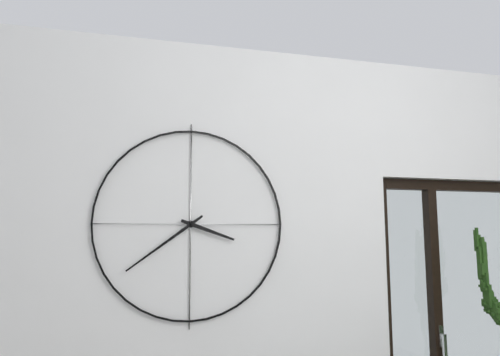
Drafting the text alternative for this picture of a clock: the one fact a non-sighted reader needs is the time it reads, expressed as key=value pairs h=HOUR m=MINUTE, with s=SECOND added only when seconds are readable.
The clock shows h=3 m=39
